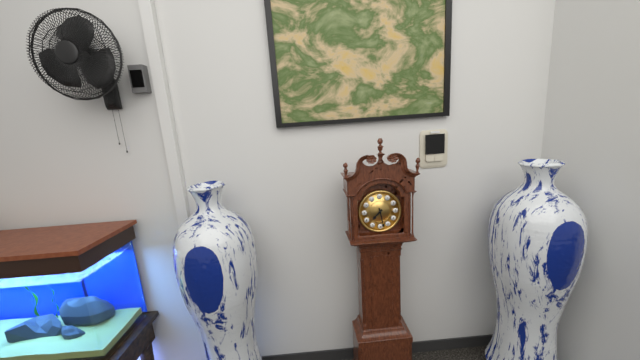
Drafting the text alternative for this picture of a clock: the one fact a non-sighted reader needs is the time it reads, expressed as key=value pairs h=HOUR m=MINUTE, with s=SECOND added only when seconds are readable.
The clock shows h=7 m=28
